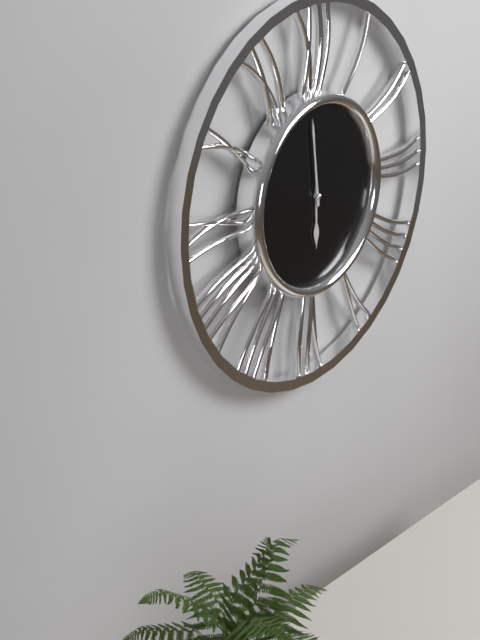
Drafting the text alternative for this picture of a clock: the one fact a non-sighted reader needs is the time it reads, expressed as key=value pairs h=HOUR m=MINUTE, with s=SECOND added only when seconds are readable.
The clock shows h=5 m=59
